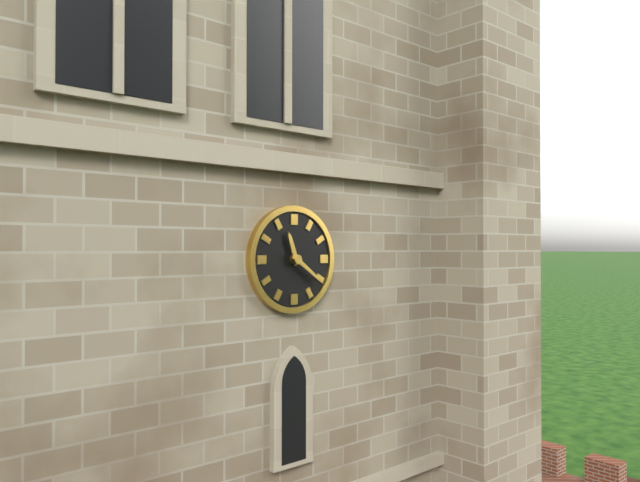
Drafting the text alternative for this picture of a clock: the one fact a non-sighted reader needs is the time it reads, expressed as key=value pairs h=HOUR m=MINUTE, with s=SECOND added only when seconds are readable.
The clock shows h=11 m=21
